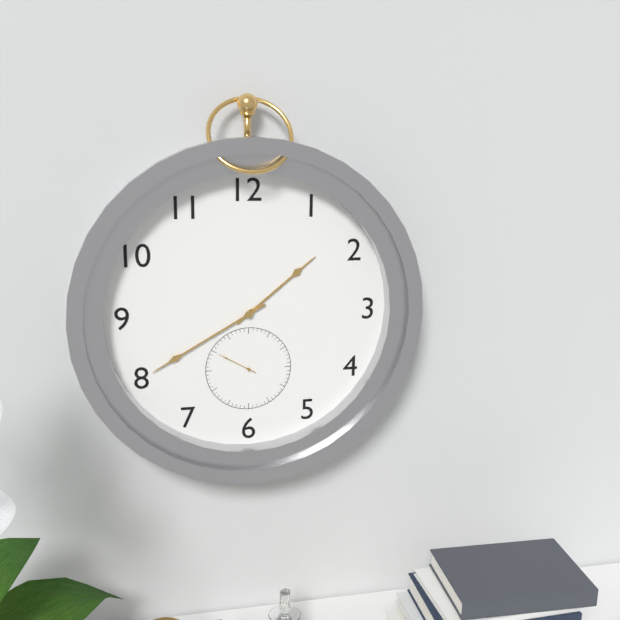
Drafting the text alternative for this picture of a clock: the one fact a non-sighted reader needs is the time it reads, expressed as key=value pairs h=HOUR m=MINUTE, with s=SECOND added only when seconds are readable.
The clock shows h=1 m=40
